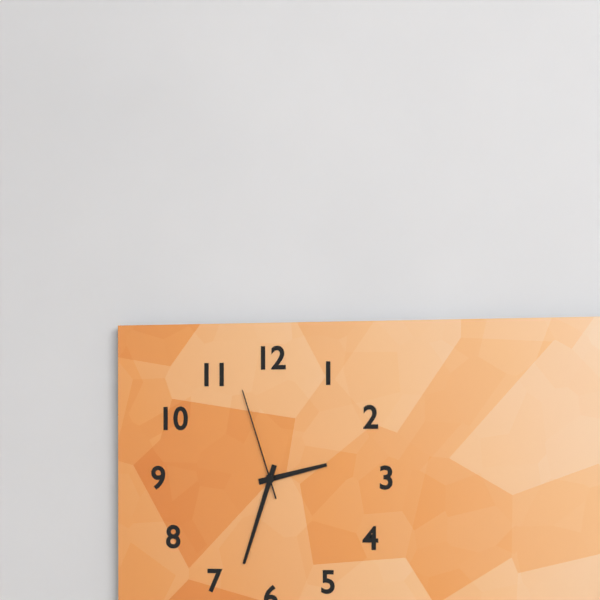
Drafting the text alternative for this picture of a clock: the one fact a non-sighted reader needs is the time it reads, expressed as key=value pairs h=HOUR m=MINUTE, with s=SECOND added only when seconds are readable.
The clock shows h=2 m=33 s=57
